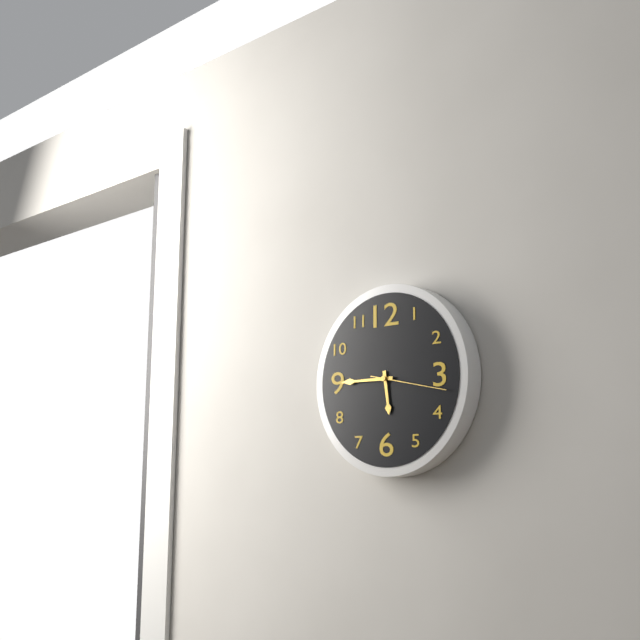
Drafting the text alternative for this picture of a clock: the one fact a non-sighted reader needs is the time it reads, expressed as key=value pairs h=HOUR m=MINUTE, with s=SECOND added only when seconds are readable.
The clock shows h=5 m=45 s=17
